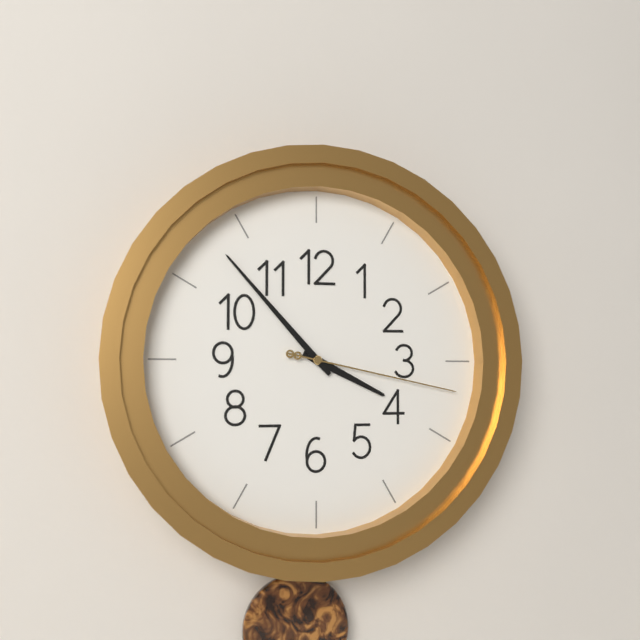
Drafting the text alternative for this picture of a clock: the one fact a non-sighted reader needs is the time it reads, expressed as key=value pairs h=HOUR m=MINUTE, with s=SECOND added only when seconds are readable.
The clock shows h=3 m=53 s=17
